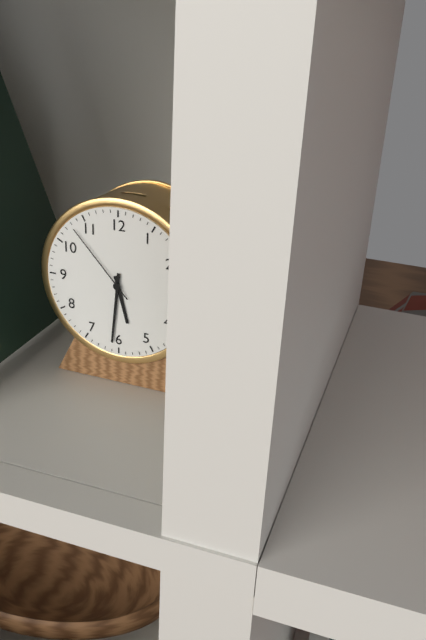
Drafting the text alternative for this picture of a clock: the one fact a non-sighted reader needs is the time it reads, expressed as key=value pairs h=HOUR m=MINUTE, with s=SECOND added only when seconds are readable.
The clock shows h=5 m=31 s=53
